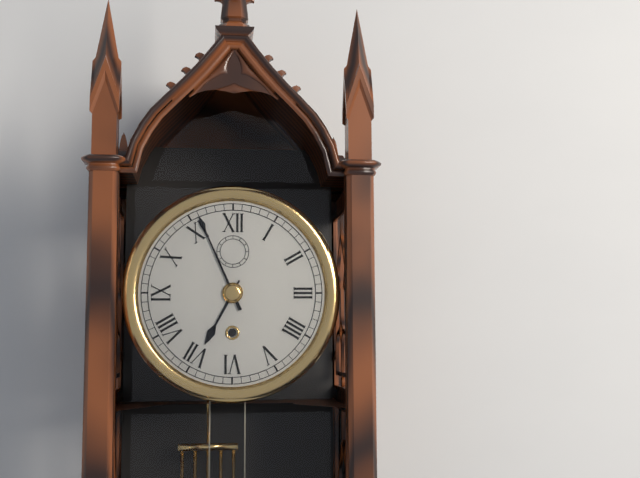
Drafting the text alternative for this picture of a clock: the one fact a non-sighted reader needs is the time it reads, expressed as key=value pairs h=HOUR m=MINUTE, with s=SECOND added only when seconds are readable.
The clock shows h=6 m=56
